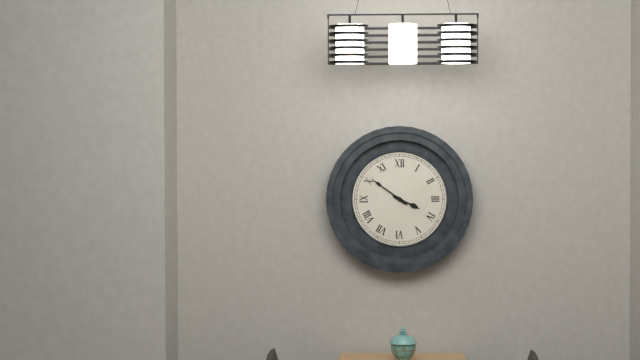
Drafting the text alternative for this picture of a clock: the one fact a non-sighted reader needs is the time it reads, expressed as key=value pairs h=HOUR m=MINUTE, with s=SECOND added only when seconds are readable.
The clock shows h=3 m=51
